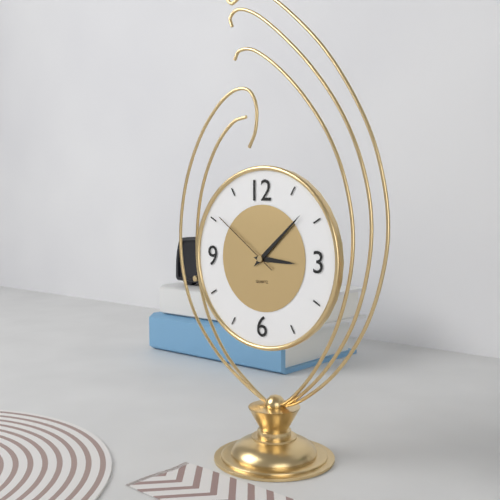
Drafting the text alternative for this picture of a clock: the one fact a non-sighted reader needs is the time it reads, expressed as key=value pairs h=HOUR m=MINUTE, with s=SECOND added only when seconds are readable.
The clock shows h=3 m=8 s=51
